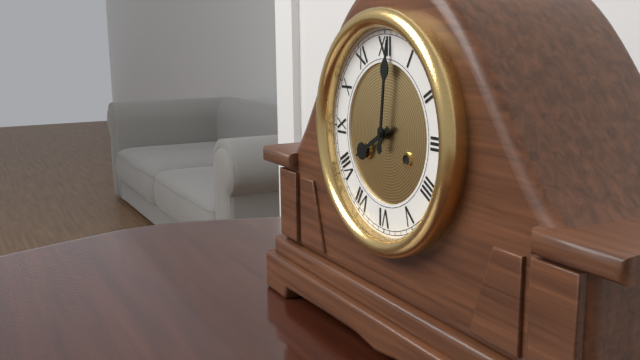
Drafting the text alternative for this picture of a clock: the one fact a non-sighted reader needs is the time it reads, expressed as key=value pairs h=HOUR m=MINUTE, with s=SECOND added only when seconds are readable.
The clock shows h=8 m=1
